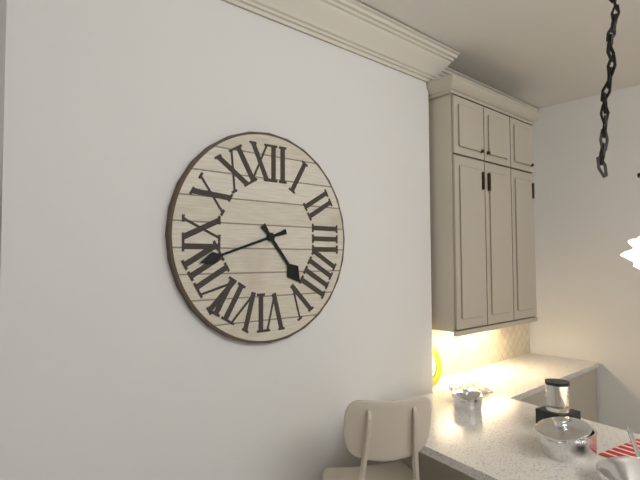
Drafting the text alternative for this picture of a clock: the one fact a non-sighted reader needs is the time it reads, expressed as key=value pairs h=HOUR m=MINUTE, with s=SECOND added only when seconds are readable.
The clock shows h=4 m=42
